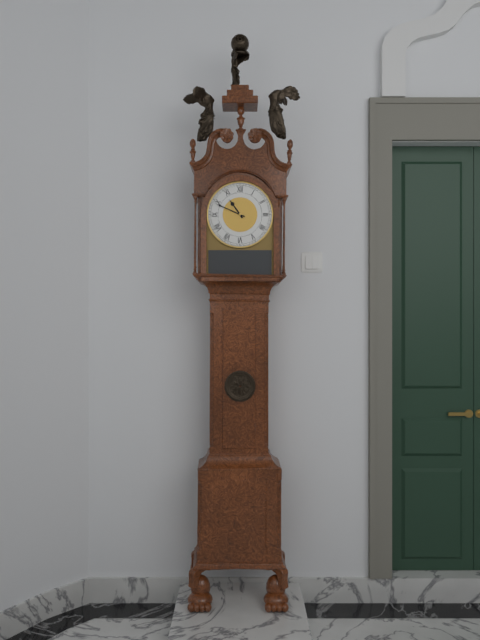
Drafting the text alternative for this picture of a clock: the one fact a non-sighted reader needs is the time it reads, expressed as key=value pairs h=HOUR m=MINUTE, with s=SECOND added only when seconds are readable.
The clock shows h=10 m=49
